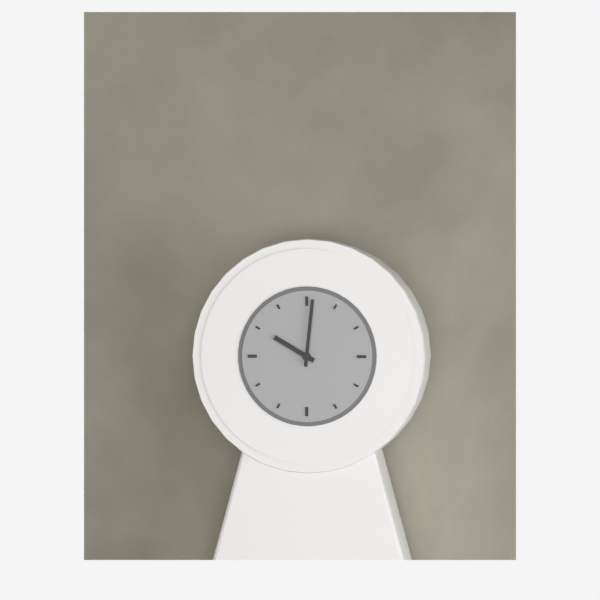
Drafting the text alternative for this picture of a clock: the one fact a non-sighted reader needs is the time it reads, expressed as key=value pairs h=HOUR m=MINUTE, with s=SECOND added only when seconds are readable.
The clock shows h=10 m=1
